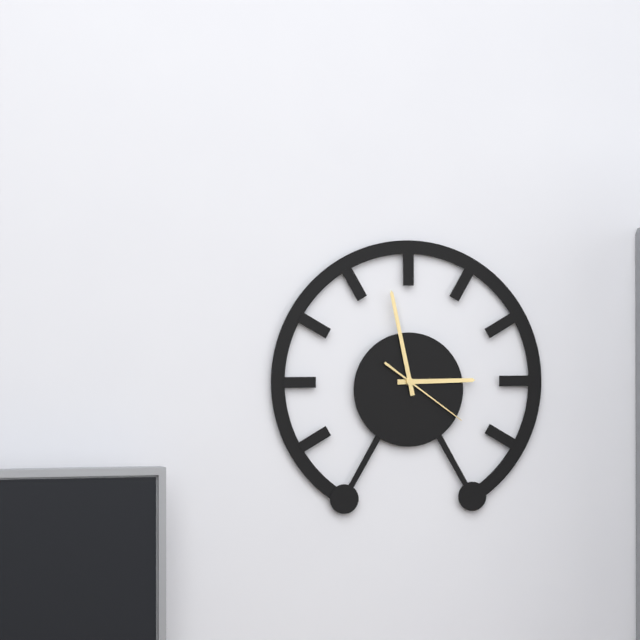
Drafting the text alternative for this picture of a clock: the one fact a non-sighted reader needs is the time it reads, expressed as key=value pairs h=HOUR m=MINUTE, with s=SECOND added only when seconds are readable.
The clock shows h=2 m=58 s=21
